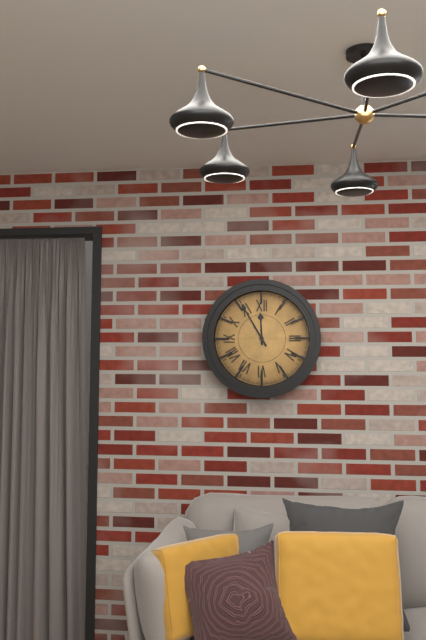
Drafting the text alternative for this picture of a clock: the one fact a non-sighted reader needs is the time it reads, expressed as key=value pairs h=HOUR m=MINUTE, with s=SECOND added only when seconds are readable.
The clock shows h=11 m=55
